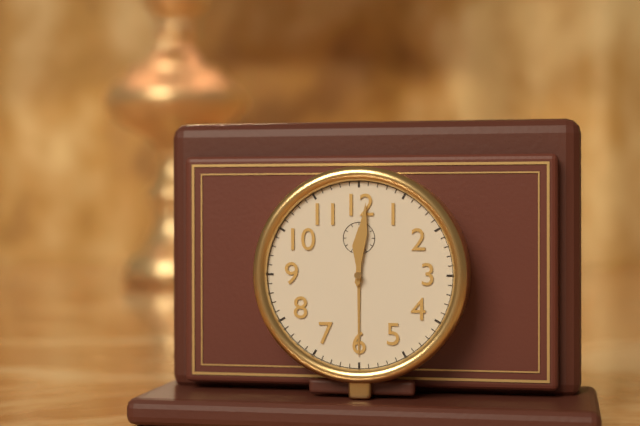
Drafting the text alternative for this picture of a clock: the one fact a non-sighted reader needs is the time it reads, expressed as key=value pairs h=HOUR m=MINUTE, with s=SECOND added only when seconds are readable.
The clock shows h=12 m=1
